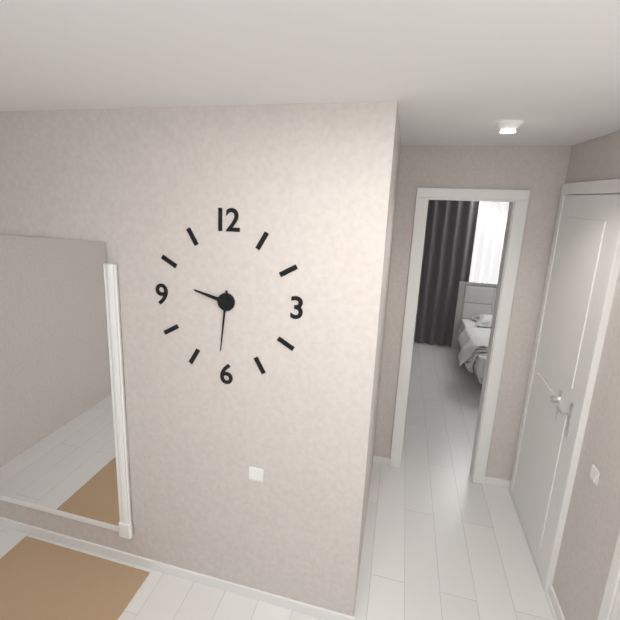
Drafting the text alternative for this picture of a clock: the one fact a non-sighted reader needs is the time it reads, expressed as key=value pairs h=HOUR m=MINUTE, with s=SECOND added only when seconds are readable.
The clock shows h=9 m=31
